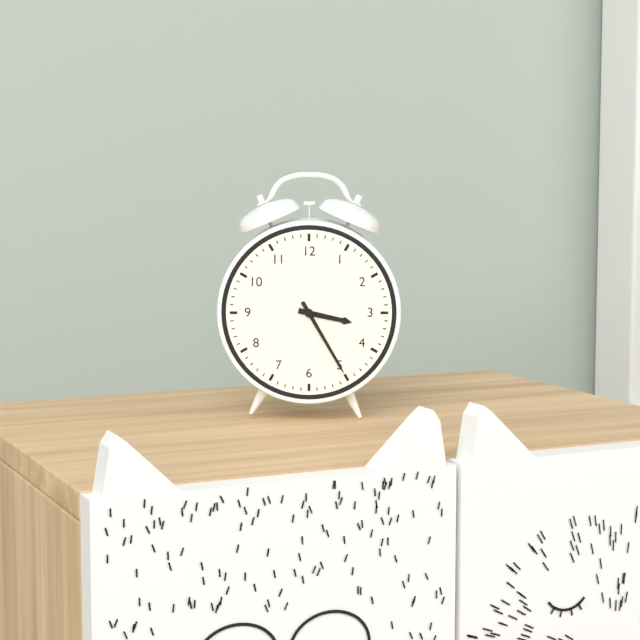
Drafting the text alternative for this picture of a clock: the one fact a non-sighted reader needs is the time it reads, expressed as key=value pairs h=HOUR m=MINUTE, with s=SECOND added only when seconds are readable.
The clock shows h=3 m=25
